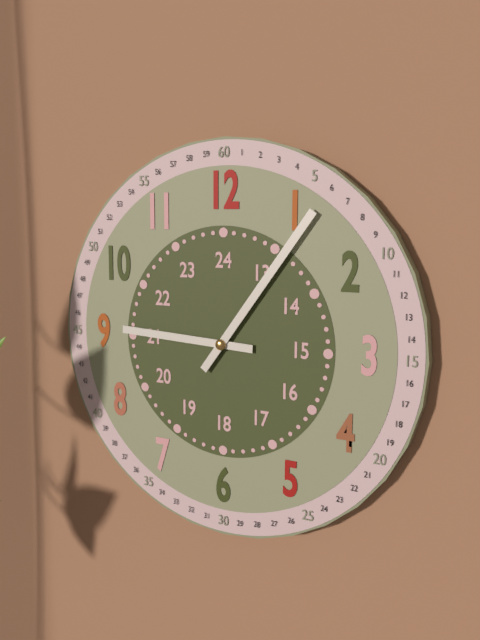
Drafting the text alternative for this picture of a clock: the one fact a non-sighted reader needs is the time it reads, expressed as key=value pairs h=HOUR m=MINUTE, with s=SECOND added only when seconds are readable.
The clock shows h=9 m=6
